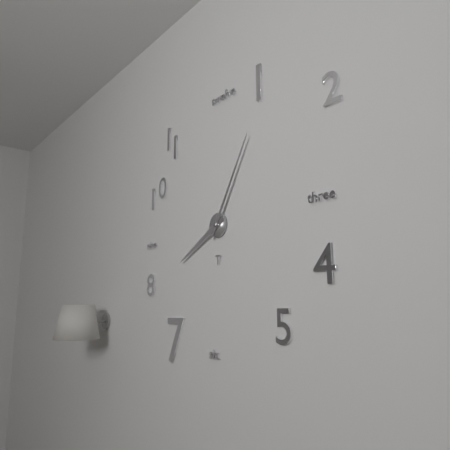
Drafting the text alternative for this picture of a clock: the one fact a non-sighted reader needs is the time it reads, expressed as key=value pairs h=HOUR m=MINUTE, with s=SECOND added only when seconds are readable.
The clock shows h=8 m=5
